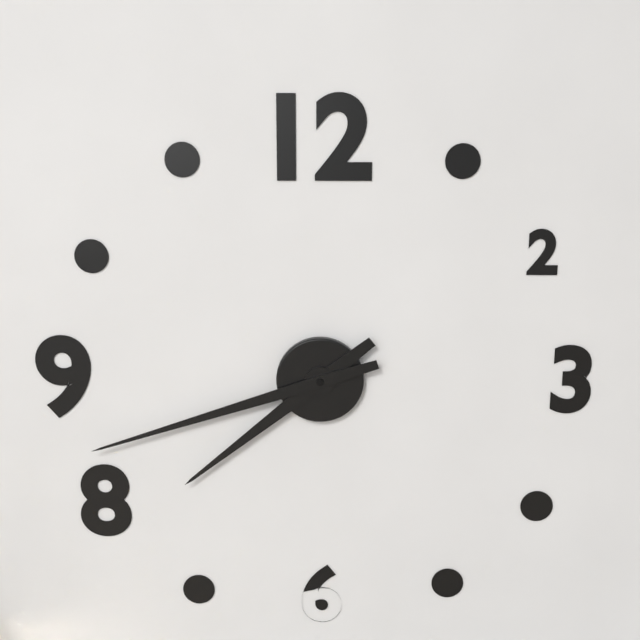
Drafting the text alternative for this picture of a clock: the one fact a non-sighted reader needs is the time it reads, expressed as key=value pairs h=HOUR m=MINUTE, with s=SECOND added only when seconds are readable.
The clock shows h=7 m=42
